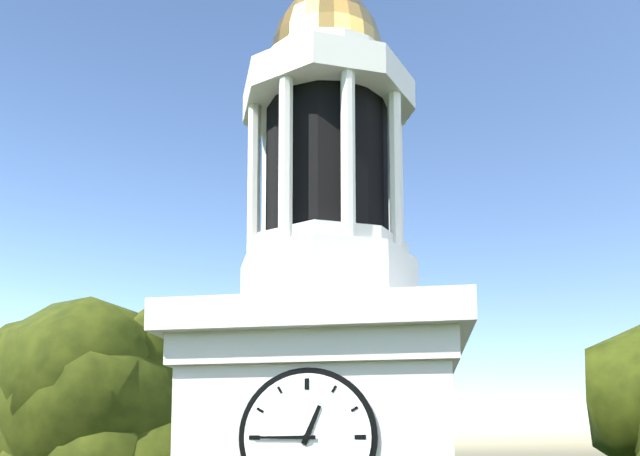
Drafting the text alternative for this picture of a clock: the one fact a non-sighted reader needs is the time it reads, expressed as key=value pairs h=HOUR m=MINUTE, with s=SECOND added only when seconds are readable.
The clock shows h=12 m=45
